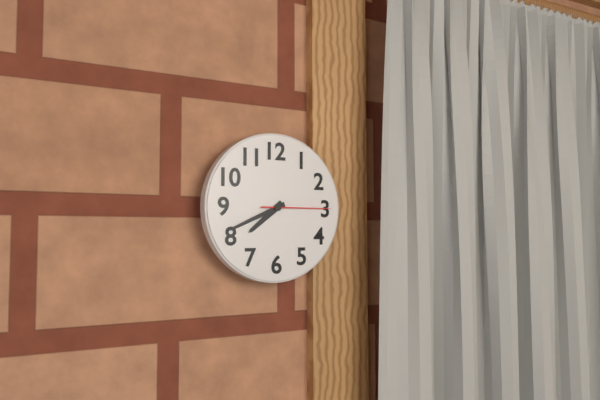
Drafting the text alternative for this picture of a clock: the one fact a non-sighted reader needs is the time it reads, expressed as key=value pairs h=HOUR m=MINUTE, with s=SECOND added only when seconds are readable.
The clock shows h=7 m=41 s=15
